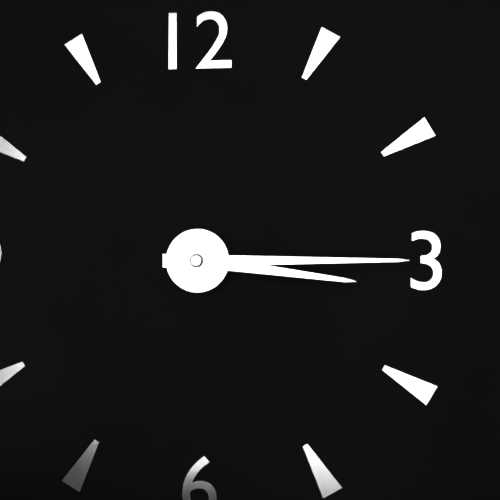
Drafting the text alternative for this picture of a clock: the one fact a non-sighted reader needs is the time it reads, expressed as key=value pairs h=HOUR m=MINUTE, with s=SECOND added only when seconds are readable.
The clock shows h=3 m=15
